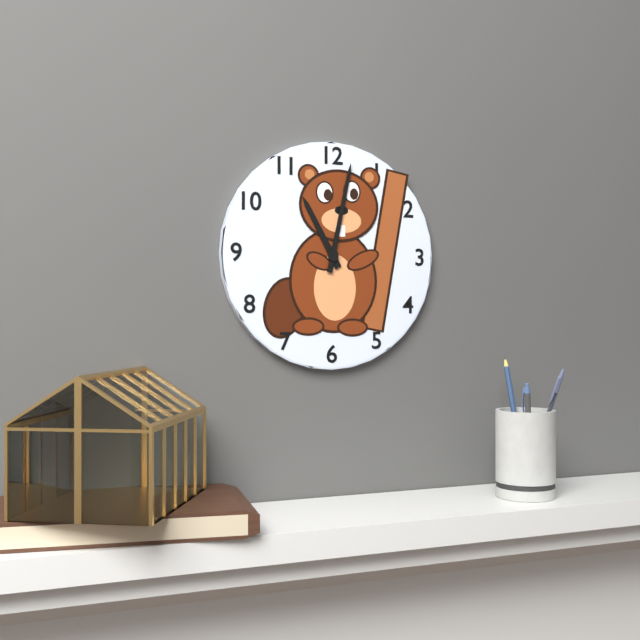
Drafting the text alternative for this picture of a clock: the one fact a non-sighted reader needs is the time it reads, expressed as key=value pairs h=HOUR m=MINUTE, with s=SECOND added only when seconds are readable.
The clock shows h=11 m=2
